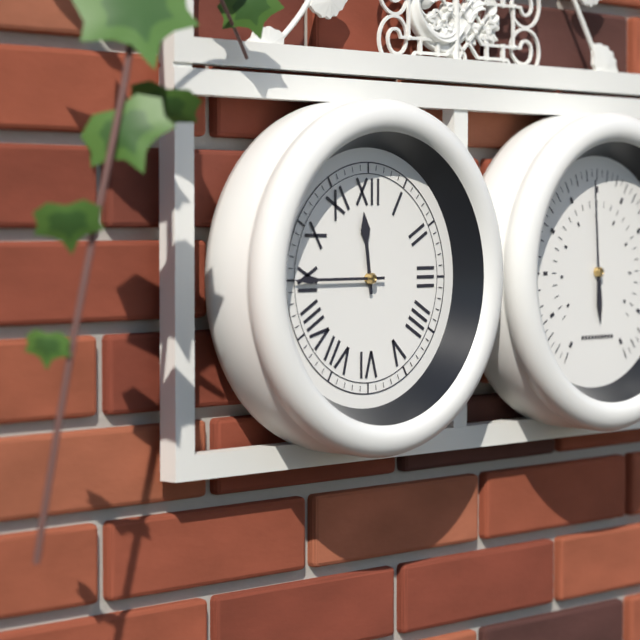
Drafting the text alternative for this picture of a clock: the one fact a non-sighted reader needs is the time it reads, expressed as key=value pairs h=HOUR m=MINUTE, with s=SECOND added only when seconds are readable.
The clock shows h=11 m=45
